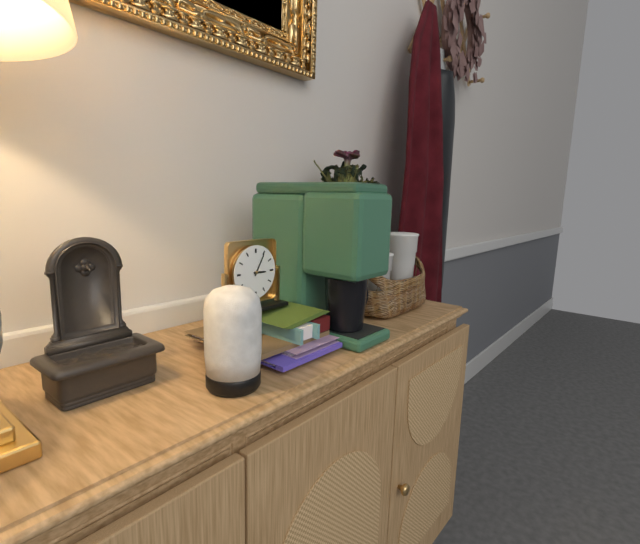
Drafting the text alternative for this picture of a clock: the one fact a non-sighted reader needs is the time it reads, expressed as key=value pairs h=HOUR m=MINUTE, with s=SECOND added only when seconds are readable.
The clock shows h=3 m=5
